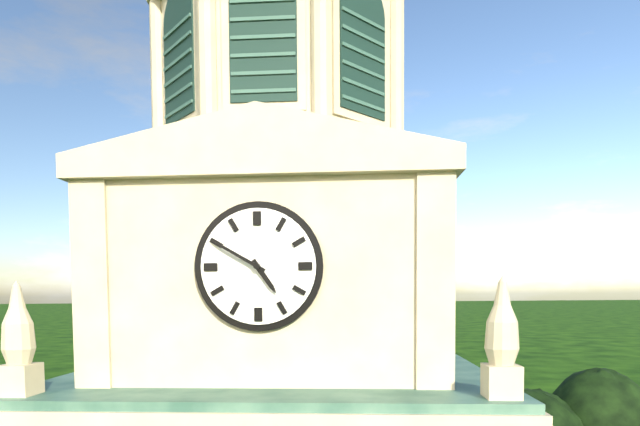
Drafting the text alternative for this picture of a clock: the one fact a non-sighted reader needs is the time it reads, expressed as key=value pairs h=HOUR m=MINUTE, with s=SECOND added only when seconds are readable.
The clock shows h=4 m=50
